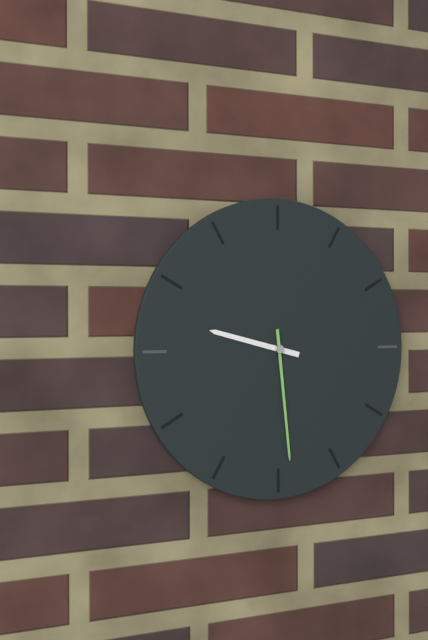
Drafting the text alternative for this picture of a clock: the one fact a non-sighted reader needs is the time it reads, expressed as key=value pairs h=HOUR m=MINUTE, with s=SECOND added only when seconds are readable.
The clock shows h=9 m=29
